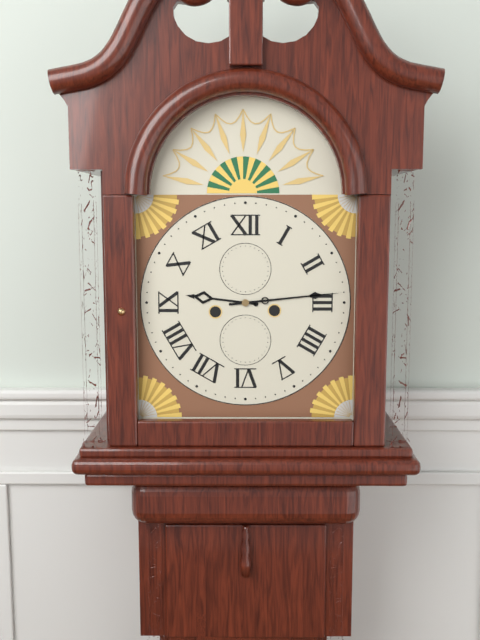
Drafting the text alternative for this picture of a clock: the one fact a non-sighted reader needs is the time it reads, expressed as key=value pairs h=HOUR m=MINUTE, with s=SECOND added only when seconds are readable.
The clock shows h=9 m=14
